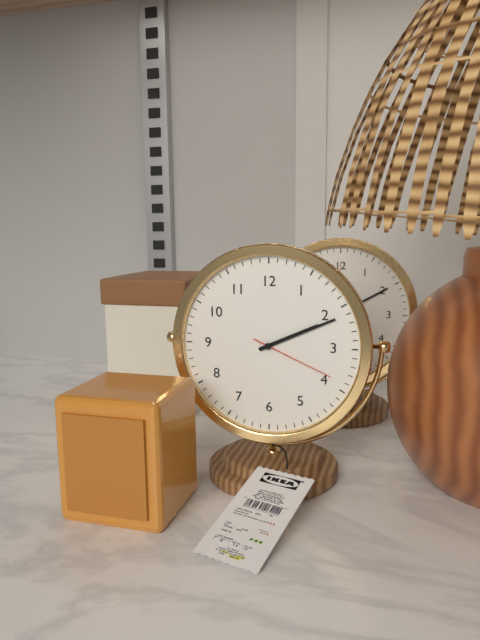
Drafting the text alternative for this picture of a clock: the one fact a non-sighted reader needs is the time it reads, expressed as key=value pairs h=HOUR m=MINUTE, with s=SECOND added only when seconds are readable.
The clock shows h=2 m=11 s=19
